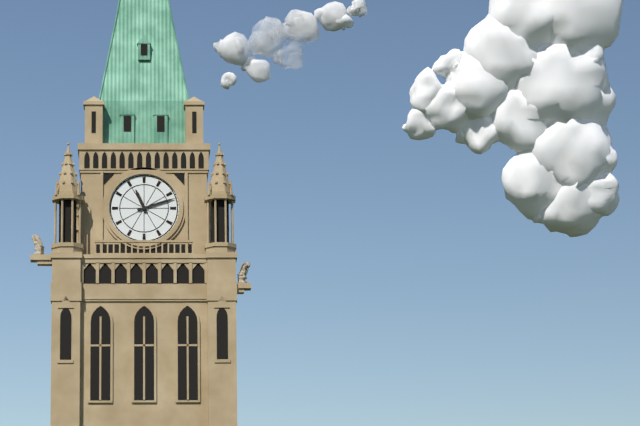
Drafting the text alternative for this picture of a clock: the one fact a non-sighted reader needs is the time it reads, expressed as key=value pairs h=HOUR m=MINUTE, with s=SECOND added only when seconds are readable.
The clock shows h=11 m=12
